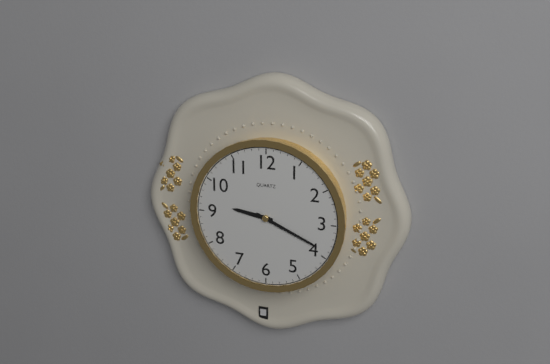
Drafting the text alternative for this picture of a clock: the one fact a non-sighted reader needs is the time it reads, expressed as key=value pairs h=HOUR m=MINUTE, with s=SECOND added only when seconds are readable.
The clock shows h=9 m=19
